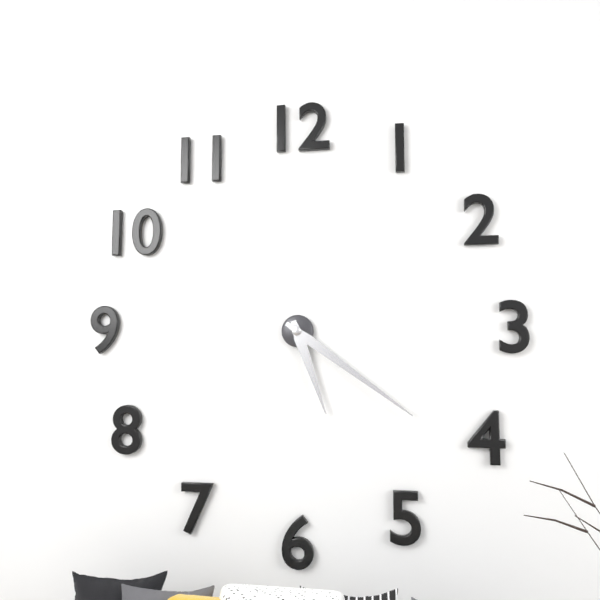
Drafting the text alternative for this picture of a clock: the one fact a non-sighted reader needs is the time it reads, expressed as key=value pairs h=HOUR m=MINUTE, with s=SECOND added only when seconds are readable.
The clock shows h=5 m=21
